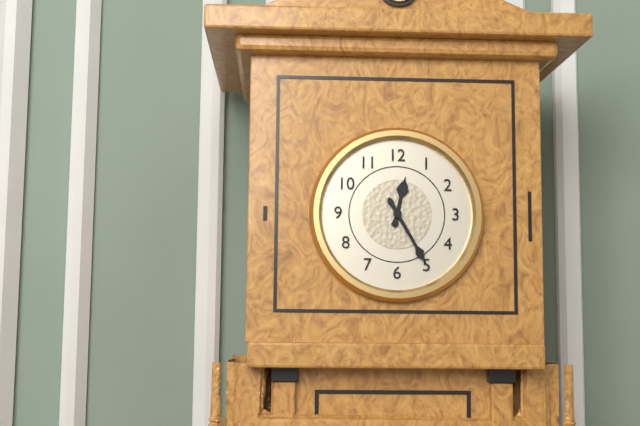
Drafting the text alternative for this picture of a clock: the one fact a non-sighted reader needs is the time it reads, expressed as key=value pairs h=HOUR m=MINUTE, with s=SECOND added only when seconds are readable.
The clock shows h=12 m=25
